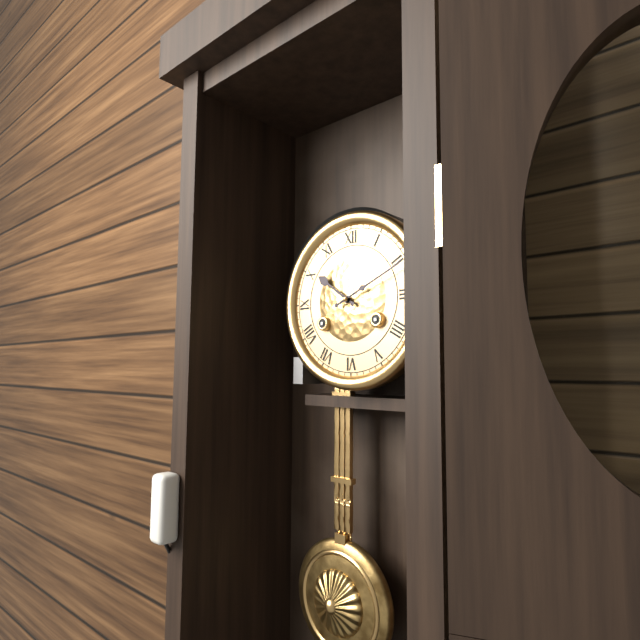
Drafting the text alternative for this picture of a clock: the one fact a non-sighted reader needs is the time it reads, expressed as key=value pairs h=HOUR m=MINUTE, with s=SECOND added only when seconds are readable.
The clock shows h=10 m=11
